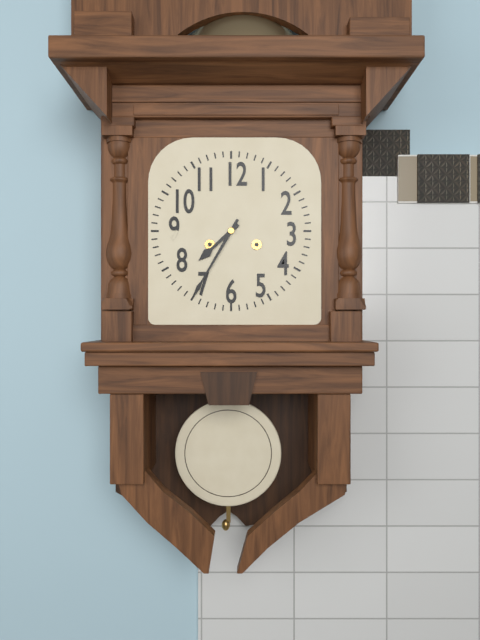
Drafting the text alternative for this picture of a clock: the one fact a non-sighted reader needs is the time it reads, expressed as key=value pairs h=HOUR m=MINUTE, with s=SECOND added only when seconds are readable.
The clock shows h=7 m=35
